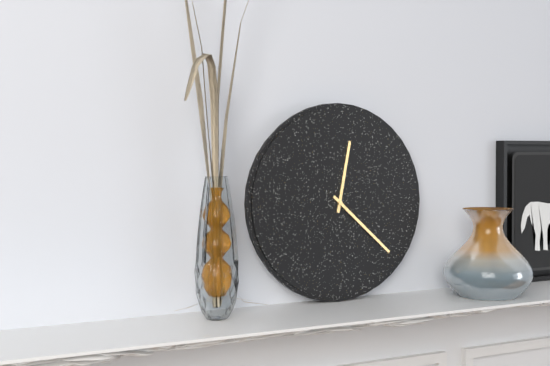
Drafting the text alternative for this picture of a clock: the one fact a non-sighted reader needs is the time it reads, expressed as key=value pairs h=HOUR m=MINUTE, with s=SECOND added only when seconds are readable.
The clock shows h=12 m=22
